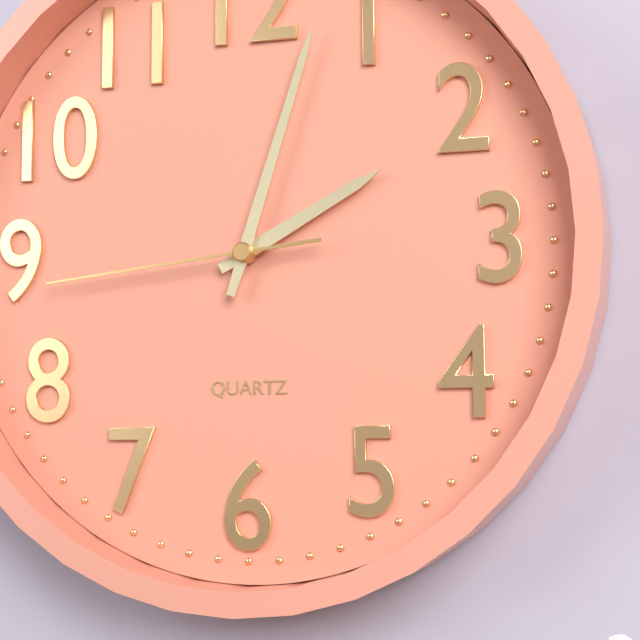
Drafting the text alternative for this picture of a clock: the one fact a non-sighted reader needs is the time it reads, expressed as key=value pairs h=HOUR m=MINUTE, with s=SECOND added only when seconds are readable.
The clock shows h=2 m=3 s=44
